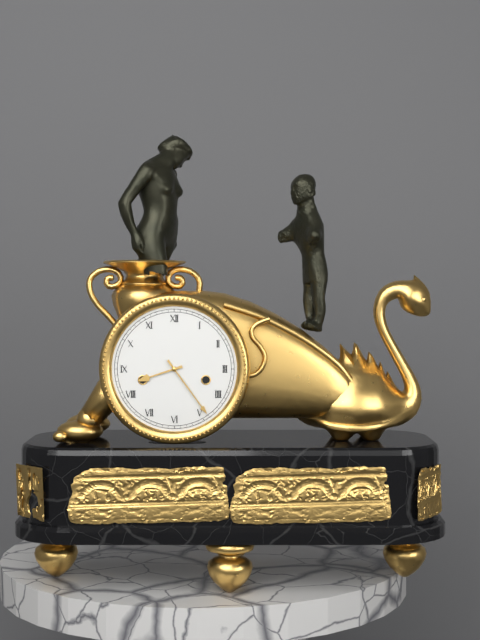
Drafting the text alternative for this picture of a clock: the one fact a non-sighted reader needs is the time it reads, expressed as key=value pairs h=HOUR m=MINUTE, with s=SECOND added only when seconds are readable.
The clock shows h=8 m=24
